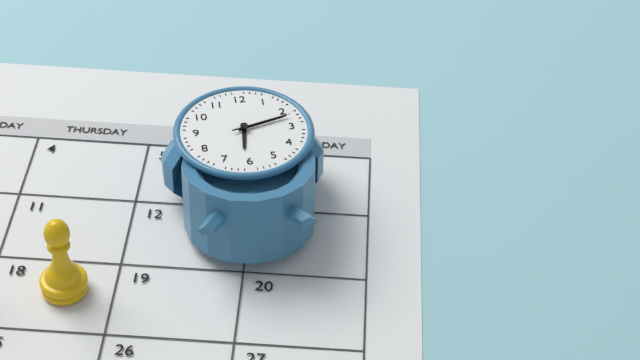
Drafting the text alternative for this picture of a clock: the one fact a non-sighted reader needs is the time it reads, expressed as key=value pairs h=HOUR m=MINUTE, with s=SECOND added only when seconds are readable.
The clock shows h=6 m=12 s=12
